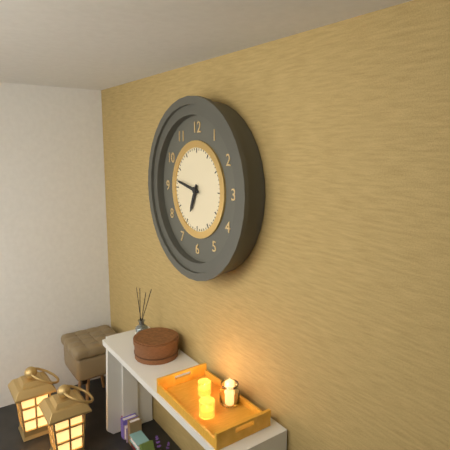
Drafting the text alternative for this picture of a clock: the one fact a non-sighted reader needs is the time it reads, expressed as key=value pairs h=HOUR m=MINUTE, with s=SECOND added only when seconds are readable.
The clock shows h=6 m=47
